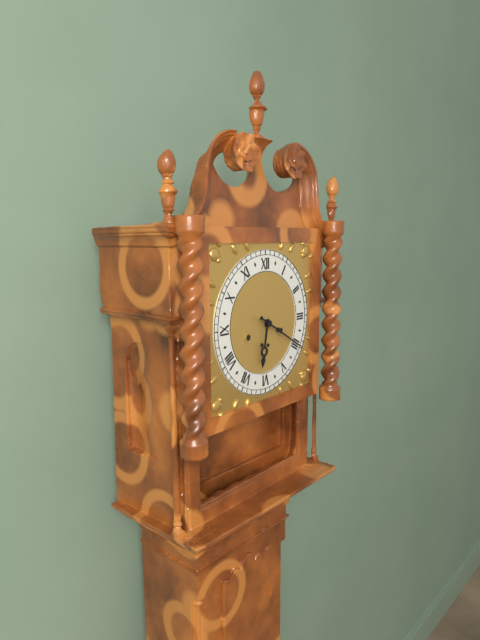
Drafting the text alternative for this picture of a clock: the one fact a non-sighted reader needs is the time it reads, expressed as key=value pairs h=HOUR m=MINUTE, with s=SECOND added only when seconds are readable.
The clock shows h=6 m=20
